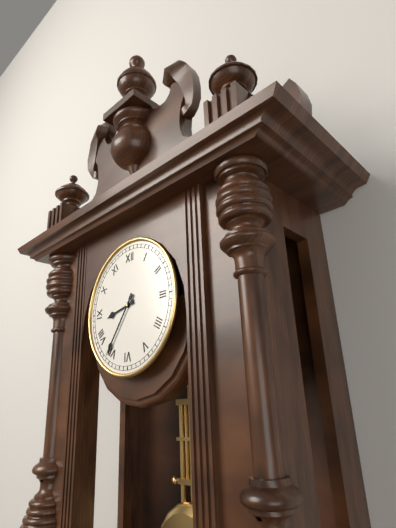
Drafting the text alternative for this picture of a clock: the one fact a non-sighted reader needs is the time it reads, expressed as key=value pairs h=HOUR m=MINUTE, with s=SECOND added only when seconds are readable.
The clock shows h=8 m=36
